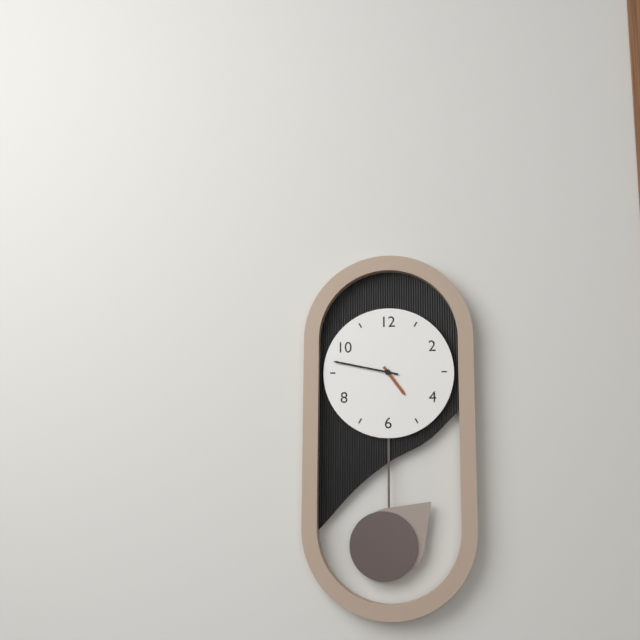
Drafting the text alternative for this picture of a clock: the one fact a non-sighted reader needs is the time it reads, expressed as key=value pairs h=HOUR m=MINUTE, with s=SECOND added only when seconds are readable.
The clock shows h=4 m=47
